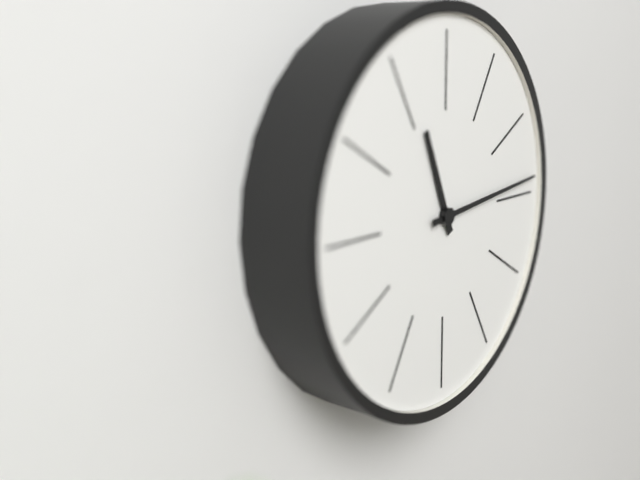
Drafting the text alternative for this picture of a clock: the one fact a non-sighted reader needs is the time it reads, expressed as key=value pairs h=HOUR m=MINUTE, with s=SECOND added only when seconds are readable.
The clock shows h=11 m=14
